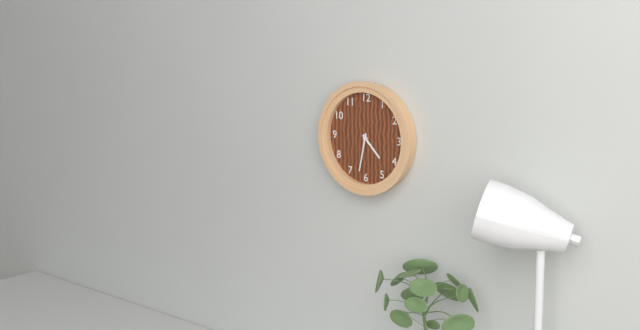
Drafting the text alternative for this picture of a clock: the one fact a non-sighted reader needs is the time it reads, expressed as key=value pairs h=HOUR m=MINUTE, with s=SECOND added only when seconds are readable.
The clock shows h=4 m=32
